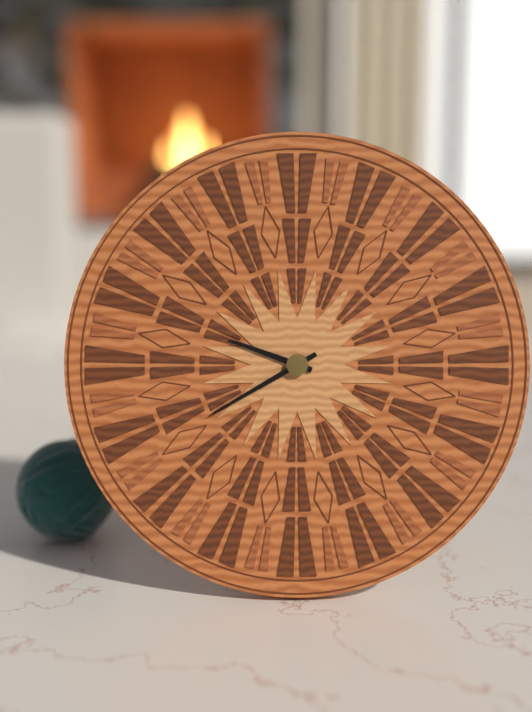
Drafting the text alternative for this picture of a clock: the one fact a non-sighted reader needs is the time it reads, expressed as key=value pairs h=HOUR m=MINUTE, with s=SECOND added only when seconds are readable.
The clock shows h=9 m=40
